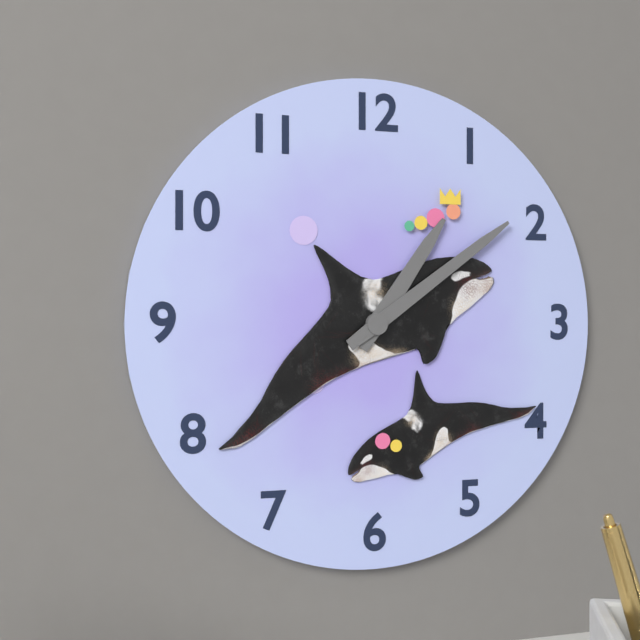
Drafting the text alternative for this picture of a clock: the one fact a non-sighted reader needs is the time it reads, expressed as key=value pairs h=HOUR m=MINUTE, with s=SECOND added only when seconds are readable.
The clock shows h=1 m=9
